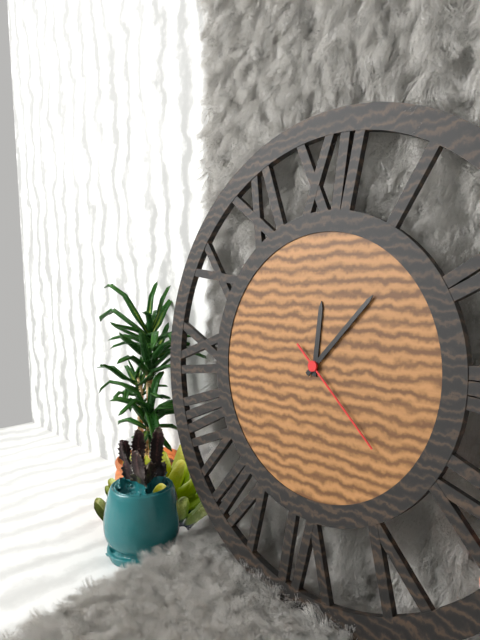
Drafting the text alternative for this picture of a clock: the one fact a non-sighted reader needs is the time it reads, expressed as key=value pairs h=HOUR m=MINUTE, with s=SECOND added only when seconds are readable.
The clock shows h=12 m=7 s=22
